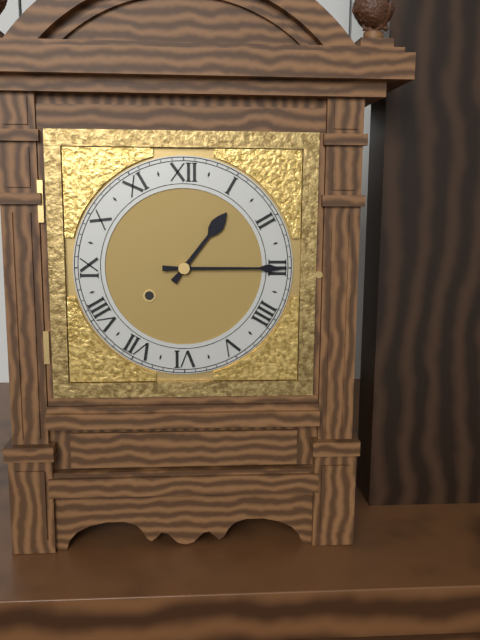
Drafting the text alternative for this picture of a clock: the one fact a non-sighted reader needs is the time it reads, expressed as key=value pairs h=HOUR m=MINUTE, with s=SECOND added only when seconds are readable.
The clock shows h=1 m=15
